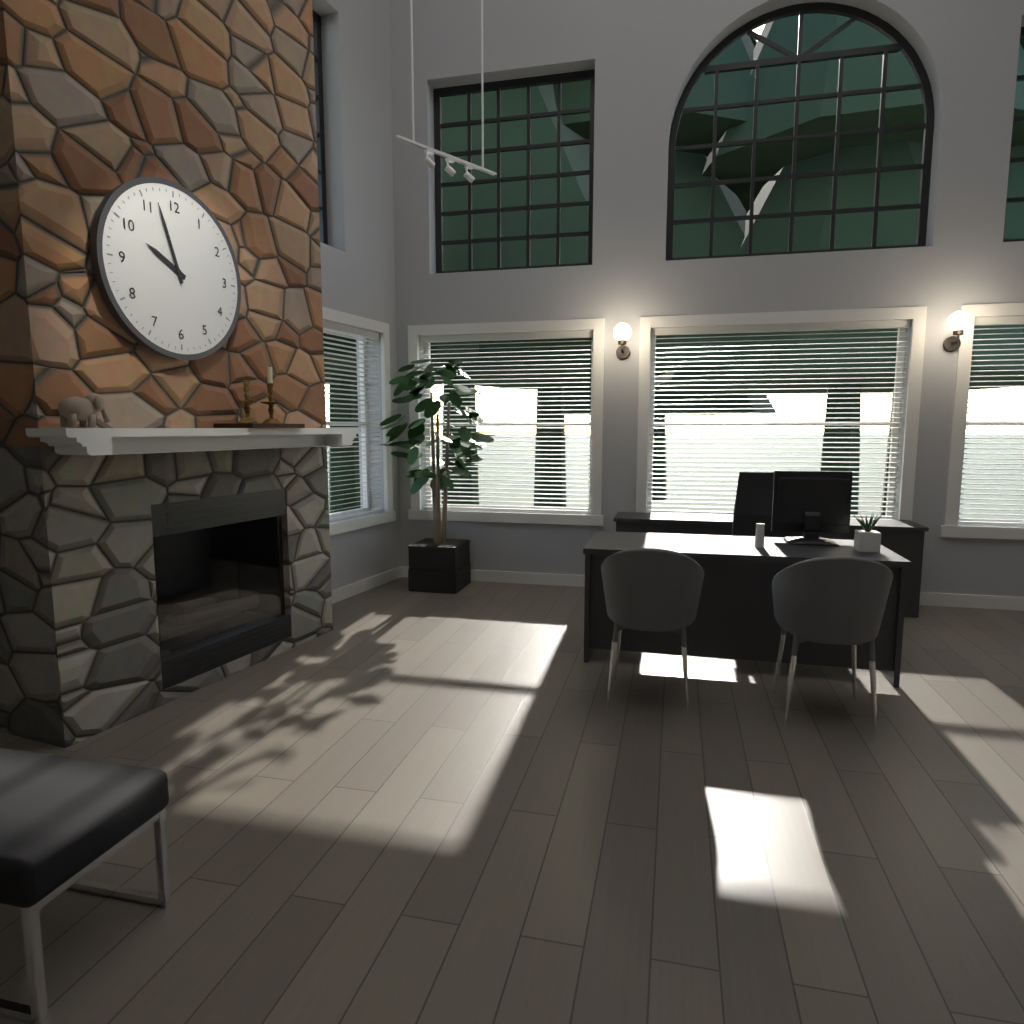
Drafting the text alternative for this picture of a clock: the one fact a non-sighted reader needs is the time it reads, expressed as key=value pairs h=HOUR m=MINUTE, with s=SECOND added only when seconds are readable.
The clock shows h=9 m=57
